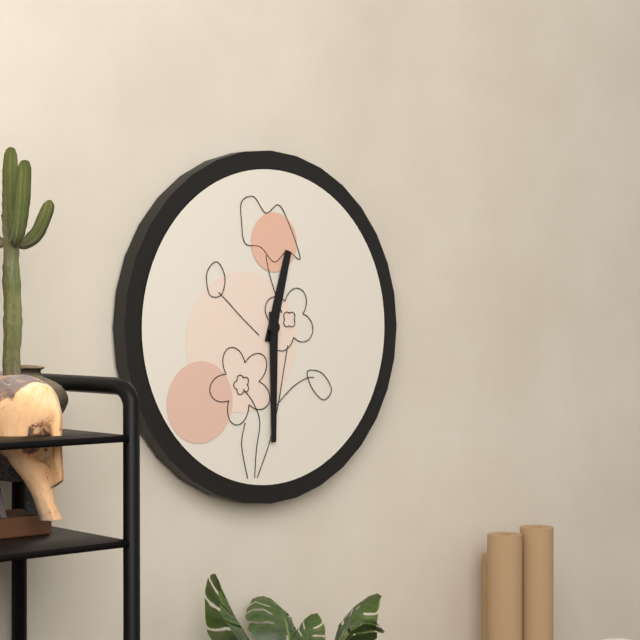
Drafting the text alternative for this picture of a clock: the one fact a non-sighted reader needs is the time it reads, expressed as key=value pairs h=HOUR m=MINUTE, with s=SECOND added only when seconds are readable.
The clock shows h=12 m=30
